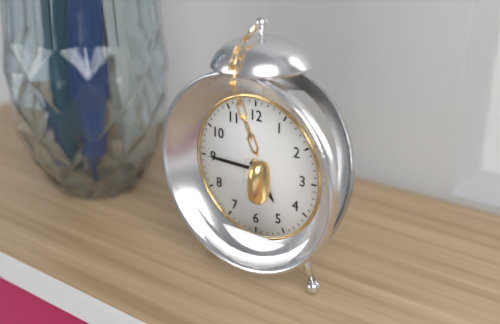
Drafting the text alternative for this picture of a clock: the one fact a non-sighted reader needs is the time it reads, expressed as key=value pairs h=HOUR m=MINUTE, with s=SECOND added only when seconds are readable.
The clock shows h=4 m=45
